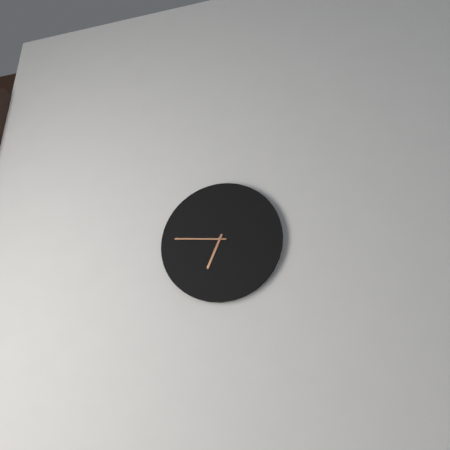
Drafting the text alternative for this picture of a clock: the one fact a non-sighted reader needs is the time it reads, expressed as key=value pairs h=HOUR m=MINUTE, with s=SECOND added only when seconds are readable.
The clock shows h=6 m=46
